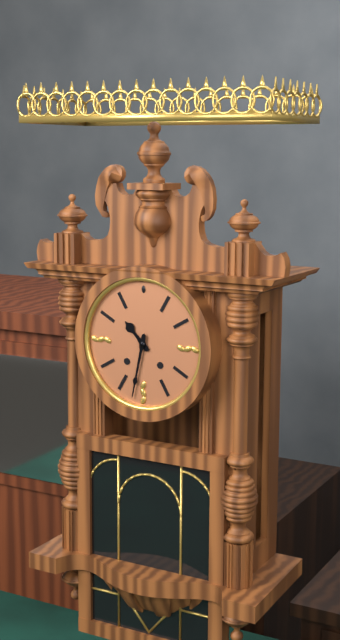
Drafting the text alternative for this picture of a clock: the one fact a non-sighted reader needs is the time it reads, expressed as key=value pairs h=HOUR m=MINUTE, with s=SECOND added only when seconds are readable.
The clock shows h=10 m=32
